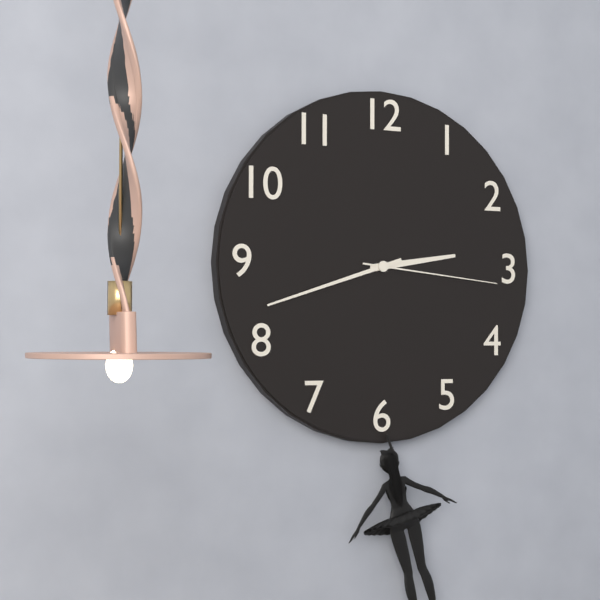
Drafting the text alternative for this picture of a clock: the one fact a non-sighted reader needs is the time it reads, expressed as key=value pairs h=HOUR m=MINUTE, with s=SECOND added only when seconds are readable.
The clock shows h=2 m=42 s=16
